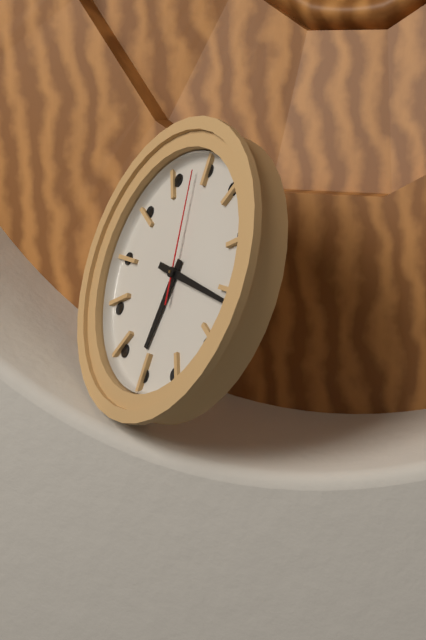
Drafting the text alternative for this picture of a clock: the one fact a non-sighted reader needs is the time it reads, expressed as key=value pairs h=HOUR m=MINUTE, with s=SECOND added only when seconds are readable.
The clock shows h=6 m=16 s=58
